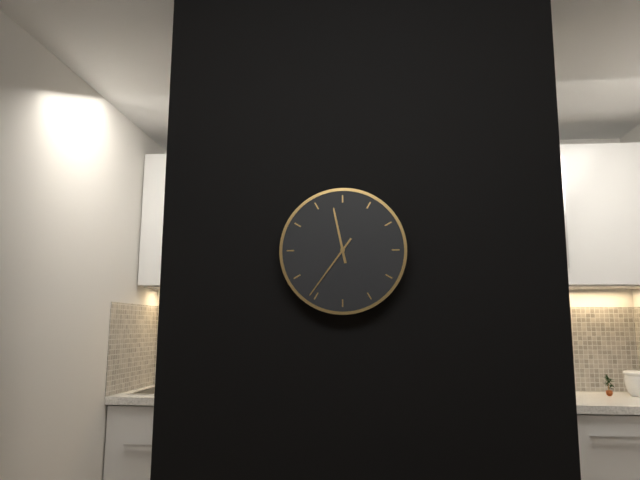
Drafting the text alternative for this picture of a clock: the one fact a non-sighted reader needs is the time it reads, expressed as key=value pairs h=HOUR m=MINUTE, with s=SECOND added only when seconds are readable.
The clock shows h=11 m=36
